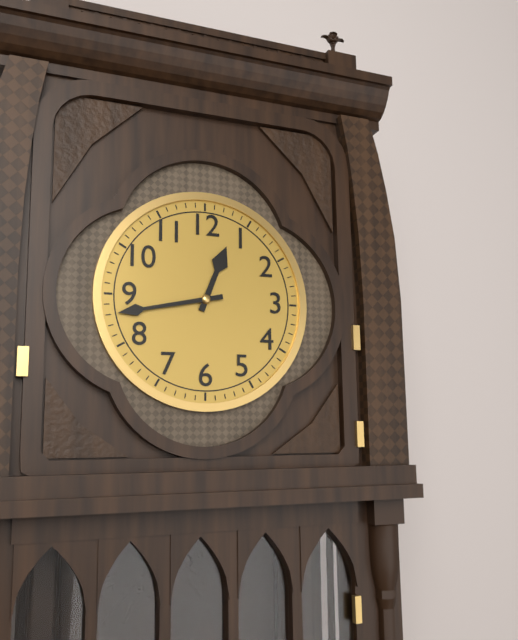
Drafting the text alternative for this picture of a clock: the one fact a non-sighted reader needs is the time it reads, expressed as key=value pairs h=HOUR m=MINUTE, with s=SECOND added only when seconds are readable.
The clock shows h=12 m=43
